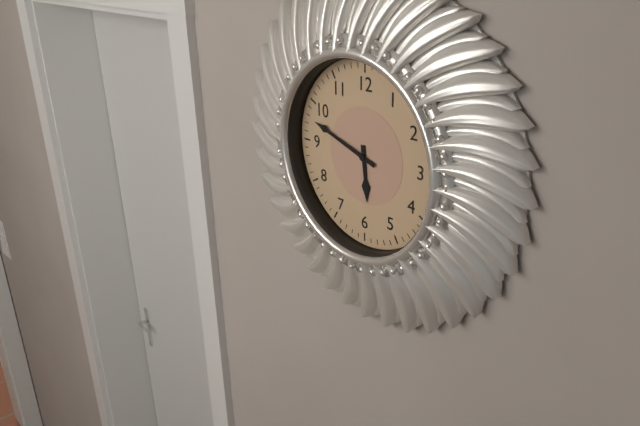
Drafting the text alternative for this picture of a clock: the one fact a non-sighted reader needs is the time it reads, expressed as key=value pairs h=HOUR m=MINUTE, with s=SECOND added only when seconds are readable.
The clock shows h=5 m=48
